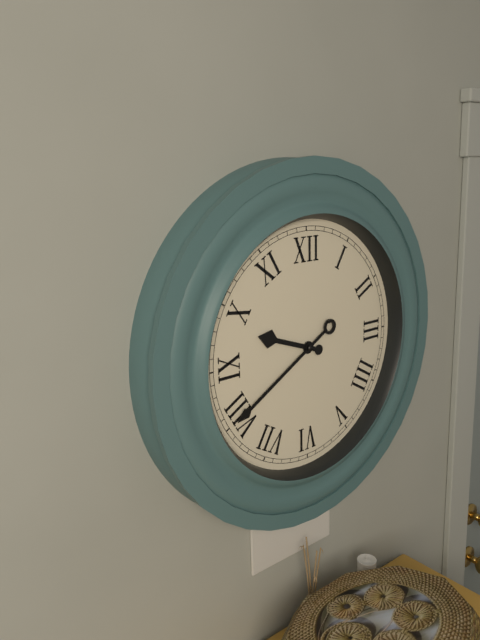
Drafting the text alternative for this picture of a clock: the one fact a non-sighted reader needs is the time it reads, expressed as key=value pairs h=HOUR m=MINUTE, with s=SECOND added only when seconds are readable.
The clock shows h=9 m=40
